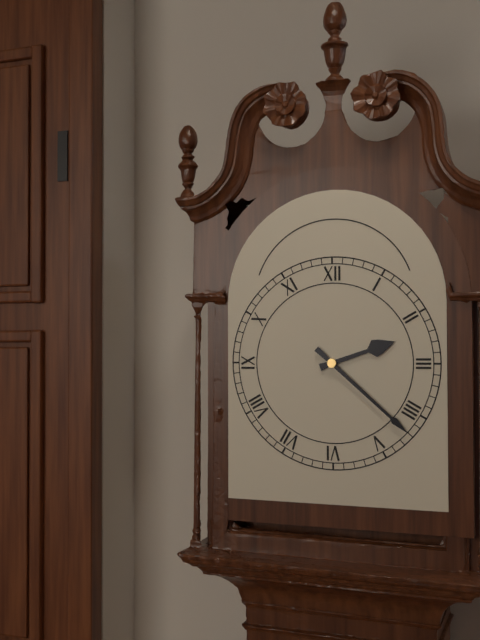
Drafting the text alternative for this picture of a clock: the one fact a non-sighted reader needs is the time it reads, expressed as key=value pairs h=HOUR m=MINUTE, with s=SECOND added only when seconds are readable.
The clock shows h=2 m=22
